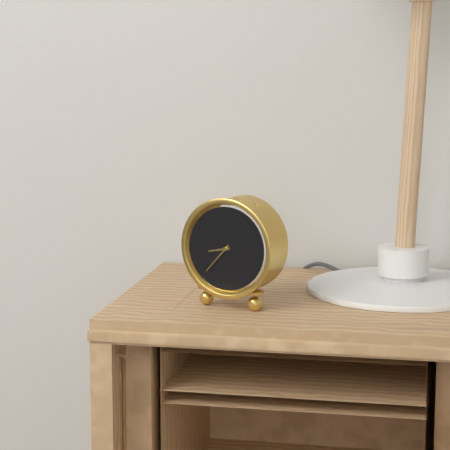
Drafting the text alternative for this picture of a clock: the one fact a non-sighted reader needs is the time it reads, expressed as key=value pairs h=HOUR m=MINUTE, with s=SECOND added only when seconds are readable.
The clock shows h=8 m=37
